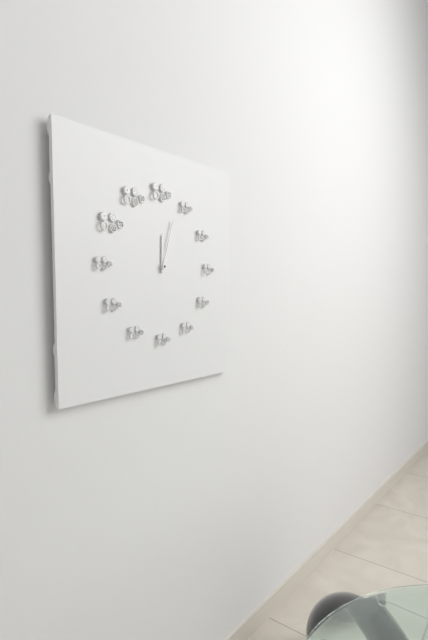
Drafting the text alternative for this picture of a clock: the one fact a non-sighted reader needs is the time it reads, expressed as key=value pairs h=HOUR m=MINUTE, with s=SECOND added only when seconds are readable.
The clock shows h=12 m=3
